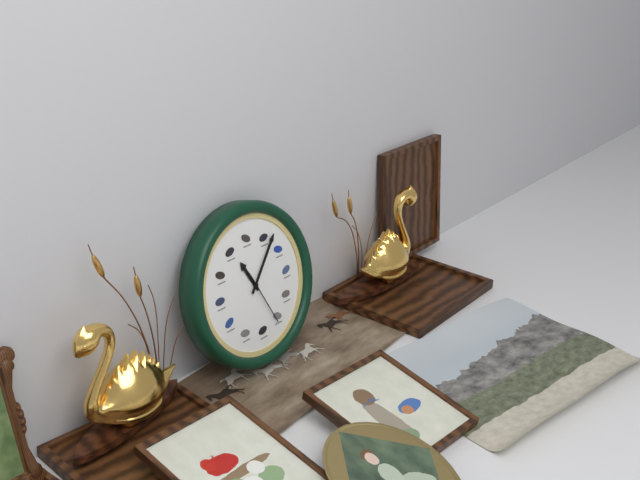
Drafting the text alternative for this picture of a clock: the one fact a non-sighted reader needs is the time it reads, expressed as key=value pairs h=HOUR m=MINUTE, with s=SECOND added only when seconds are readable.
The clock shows h=11 m=7 s=26
